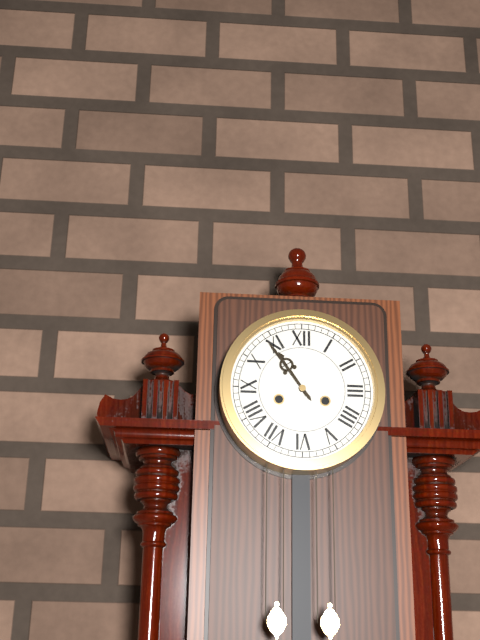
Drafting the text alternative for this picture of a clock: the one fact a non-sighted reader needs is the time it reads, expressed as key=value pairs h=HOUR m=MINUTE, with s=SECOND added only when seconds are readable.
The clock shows h=10 m=54
